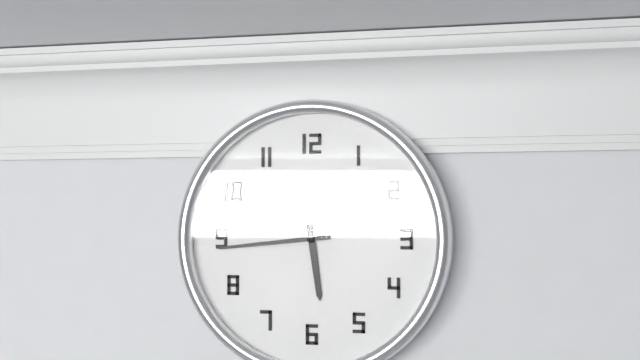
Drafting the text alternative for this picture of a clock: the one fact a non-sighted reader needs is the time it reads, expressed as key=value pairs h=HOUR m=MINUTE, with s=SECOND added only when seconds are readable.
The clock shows h=5 m=44
